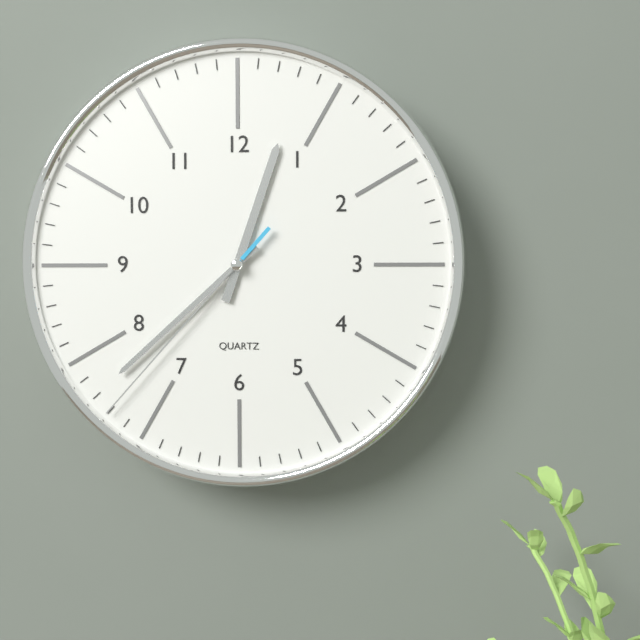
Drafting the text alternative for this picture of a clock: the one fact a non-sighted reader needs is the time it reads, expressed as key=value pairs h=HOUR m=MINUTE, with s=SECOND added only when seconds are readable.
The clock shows h=12 m=38 s=37
